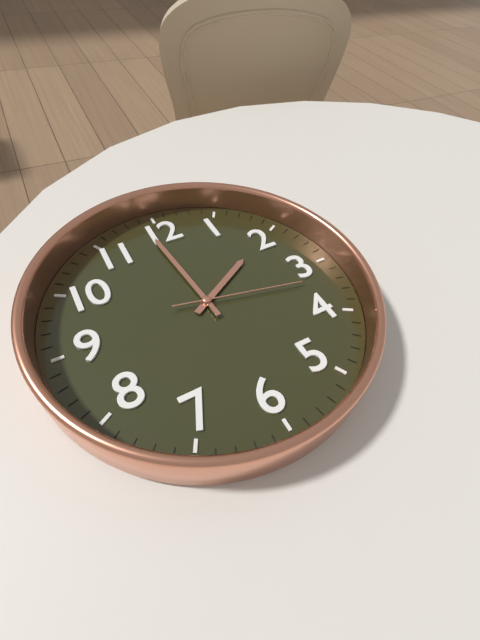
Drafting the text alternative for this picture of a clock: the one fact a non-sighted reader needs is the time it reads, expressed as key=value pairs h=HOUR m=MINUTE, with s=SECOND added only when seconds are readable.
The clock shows h=1 m=59 s=17
